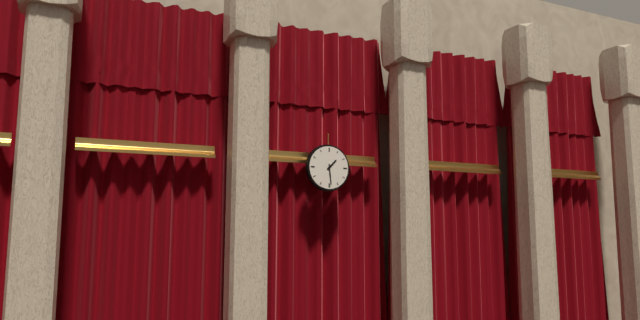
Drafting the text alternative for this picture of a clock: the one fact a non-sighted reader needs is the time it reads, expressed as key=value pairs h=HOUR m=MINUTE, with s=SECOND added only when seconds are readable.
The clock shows h=1 m=29
